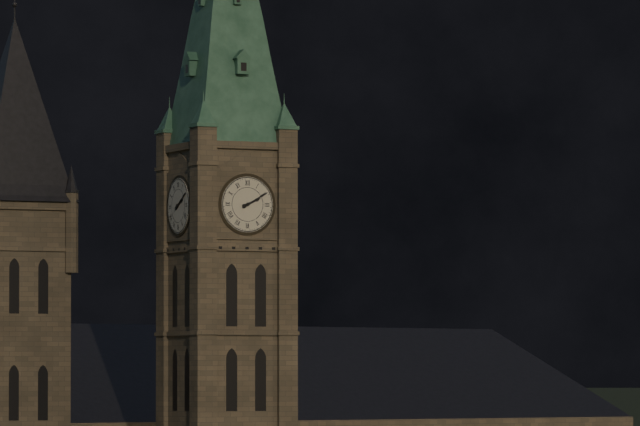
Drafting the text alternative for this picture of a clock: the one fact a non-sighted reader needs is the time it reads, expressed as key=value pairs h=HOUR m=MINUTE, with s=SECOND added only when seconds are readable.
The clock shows h=2 m=10
